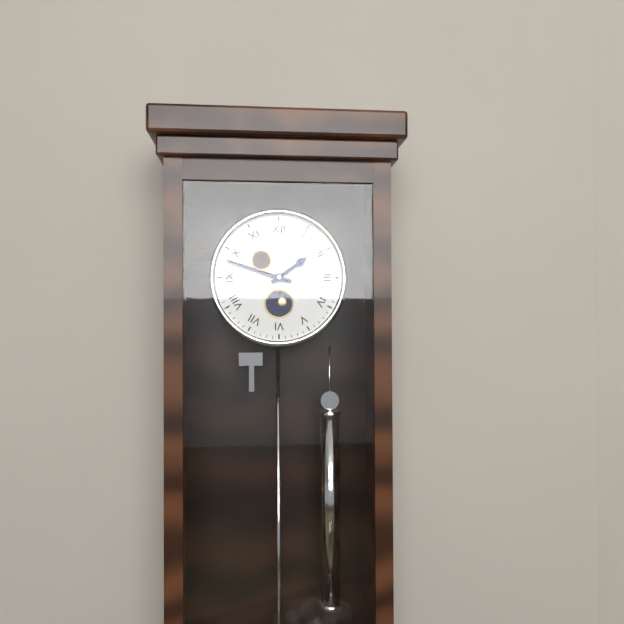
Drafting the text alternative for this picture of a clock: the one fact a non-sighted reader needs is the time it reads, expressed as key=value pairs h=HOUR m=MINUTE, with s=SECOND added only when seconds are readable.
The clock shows h=1 m=48
